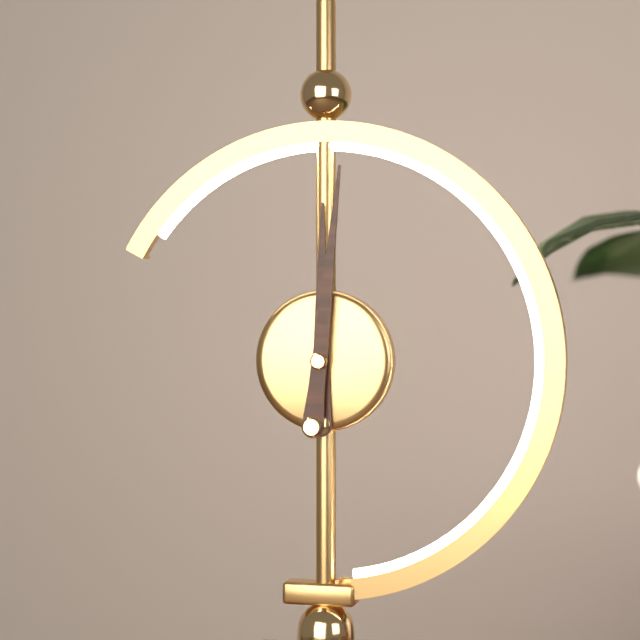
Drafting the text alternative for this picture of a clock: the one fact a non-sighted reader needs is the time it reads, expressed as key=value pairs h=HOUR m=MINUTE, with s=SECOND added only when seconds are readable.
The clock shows h=12 m=1
